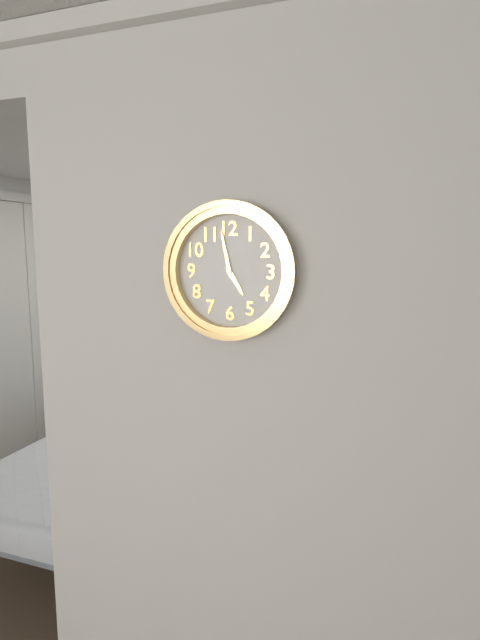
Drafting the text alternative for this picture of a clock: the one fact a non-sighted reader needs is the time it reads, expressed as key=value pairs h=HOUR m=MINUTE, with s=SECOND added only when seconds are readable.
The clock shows h=4 m=58
